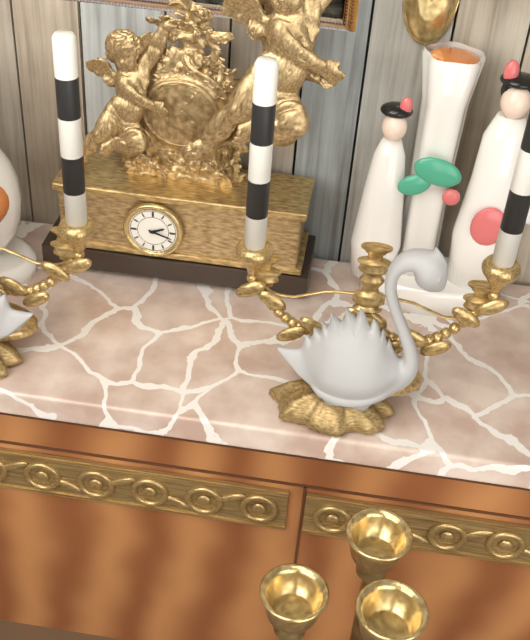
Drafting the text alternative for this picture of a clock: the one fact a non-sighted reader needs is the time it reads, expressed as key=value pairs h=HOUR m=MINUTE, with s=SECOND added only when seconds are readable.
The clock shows h=2 m=18
